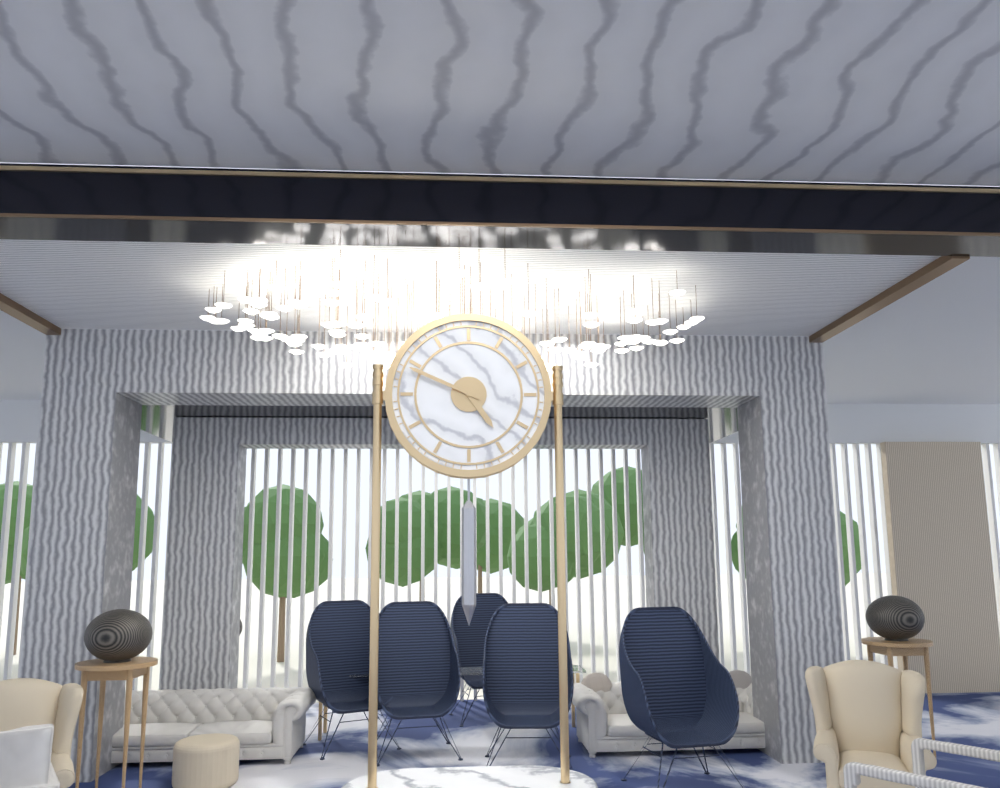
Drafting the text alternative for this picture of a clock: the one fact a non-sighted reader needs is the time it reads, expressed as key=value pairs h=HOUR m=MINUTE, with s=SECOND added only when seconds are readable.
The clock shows h=4 m=49
